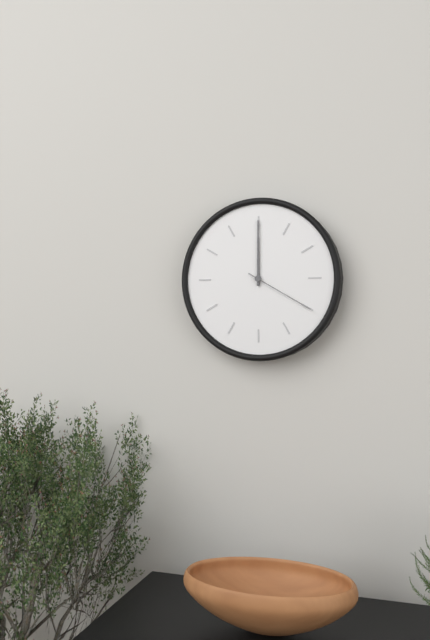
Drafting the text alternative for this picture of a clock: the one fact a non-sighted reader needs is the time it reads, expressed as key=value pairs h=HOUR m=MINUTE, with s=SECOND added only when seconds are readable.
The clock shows h=12 m=0 s=20
